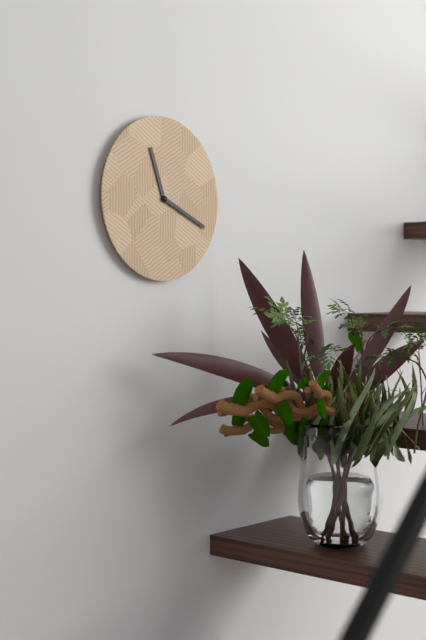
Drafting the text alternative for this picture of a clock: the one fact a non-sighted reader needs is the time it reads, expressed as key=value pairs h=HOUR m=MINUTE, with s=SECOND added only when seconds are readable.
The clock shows h=11 m=19
